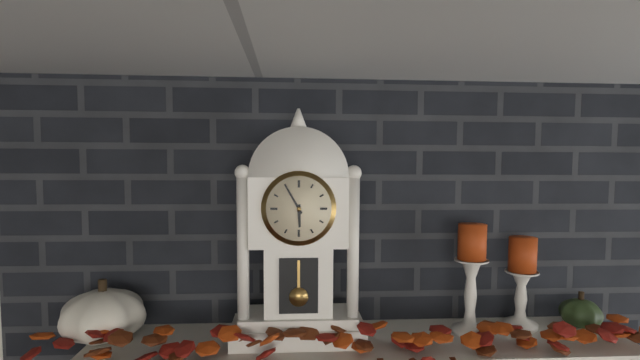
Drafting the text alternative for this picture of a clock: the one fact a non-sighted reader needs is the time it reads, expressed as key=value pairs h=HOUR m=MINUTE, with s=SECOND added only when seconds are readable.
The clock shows h=5 m=55
